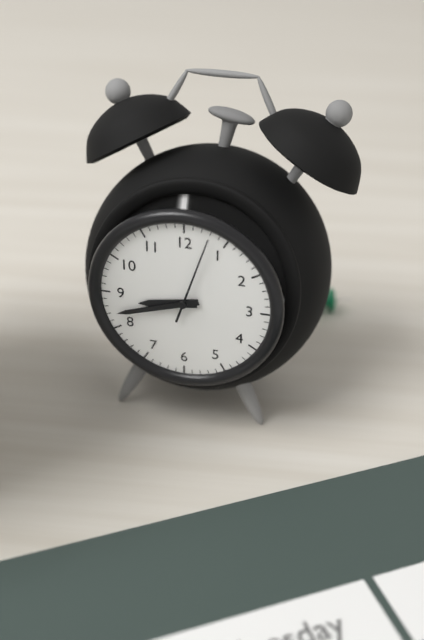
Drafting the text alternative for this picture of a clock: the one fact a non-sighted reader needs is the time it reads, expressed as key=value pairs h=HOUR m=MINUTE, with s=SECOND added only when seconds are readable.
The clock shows h=8 m=42 s=3
